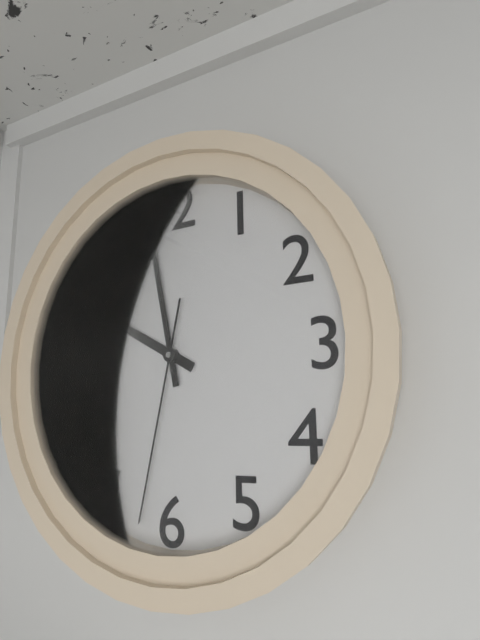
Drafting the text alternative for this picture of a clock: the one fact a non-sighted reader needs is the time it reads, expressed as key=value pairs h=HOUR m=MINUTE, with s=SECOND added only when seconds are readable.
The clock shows h=9 m=58 s=32
